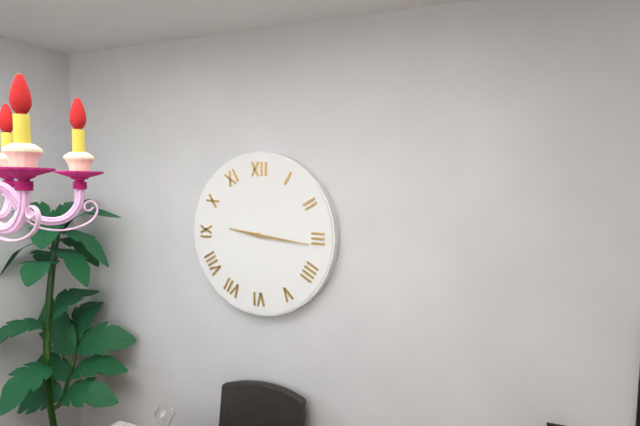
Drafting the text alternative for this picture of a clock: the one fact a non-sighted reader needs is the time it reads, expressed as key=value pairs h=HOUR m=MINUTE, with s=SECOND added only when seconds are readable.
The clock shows h=9 m=16
